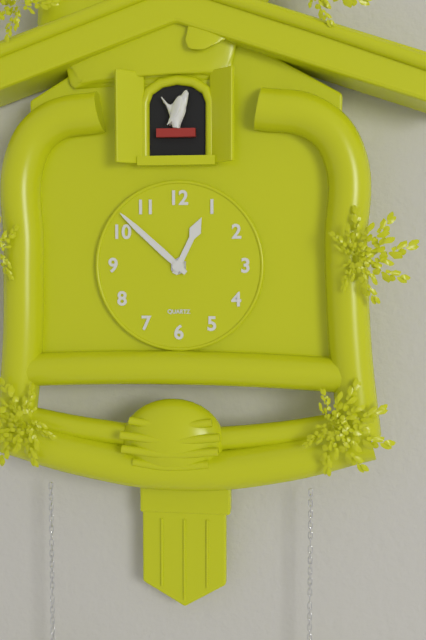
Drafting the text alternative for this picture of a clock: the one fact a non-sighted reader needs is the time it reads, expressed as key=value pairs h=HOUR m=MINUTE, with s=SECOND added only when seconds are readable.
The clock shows h=12 m=52
